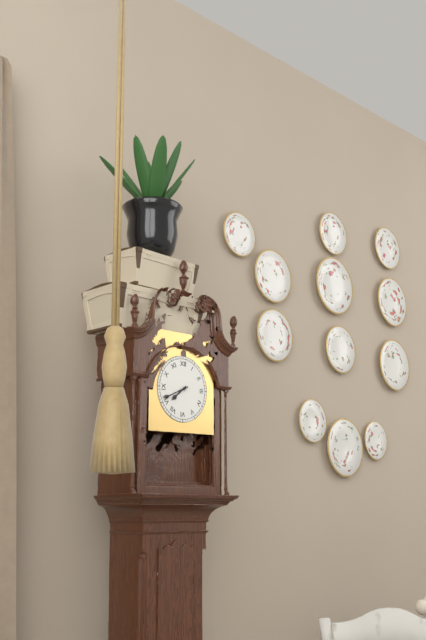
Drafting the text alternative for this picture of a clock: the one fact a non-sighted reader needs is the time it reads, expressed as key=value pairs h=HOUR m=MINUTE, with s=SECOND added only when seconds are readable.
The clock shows h=7 m=41
